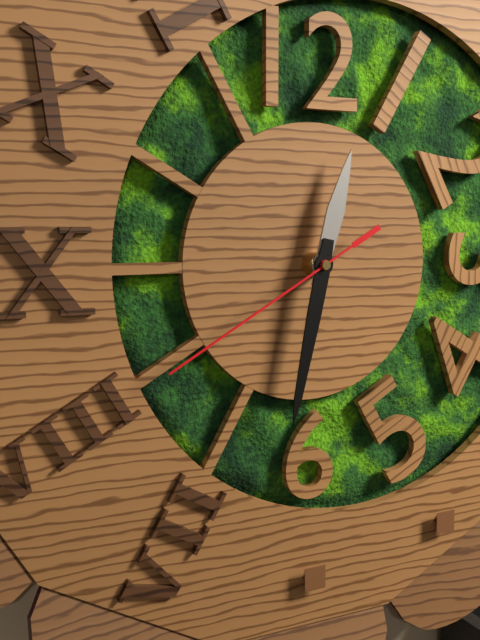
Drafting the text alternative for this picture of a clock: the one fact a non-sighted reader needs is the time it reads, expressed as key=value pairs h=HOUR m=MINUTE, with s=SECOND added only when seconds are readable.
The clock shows h=12 m=32 s=40
